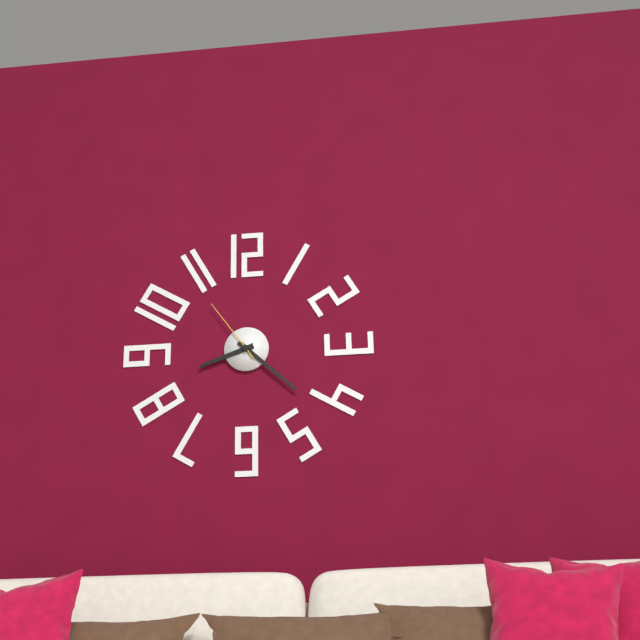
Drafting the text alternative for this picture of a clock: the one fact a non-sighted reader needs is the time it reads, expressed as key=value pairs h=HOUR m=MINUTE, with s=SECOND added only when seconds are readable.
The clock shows h=8 m=22 s=54
